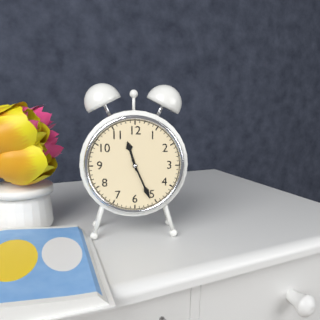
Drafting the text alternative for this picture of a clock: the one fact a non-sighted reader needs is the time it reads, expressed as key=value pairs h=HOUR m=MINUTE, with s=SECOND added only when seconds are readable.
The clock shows h=11 m=26
